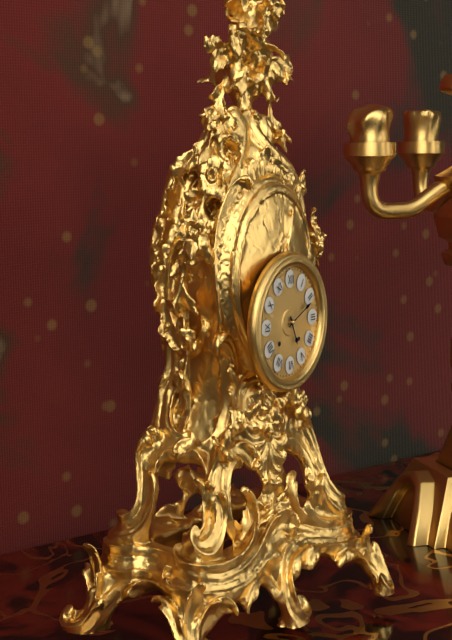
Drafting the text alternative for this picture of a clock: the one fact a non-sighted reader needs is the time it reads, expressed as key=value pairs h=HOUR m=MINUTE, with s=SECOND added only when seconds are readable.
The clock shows h=5 m=11
